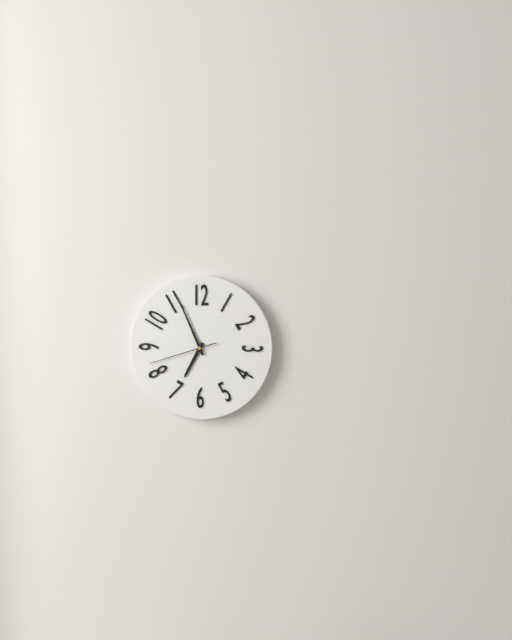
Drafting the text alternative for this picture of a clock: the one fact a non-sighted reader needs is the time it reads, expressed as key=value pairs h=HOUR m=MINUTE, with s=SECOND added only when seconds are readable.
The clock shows h=6 m=56 s=42
